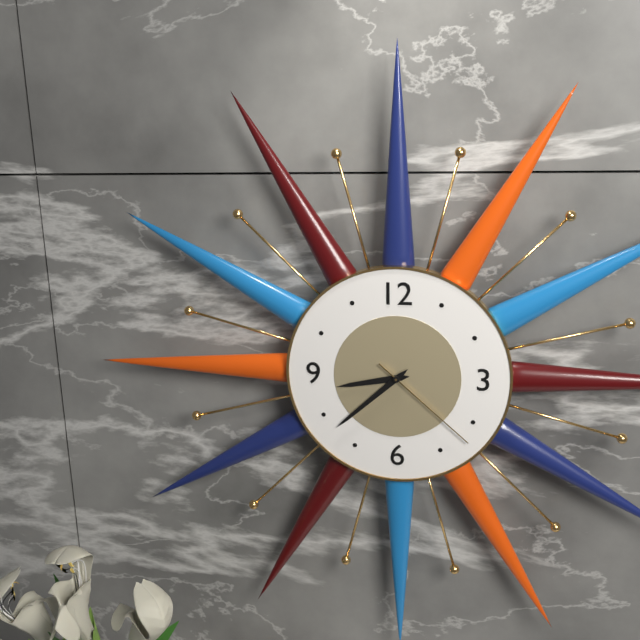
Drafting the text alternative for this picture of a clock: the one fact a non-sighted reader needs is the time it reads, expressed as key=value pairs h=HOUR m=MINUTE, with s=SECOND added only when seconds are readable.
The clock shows h=8 m=38 s=22
